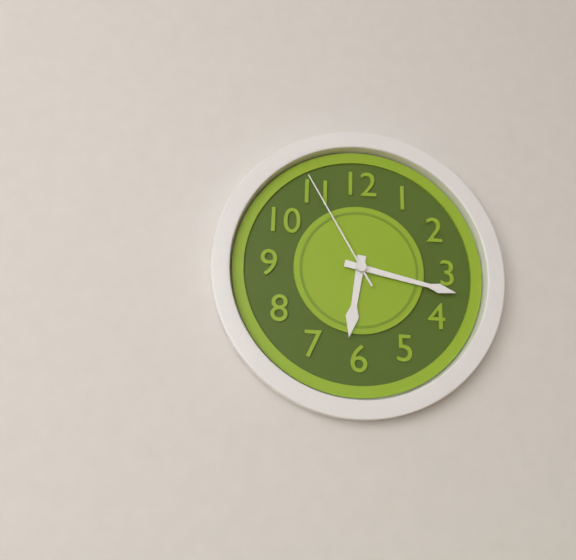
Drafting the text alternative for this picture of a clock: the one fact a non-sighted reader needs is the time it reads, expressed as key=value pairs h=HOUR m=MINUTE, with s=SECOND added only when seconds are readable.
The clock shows h=6 m=17 s=55
